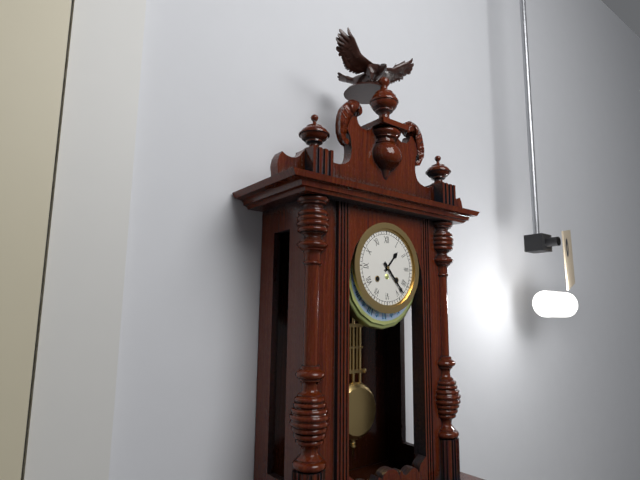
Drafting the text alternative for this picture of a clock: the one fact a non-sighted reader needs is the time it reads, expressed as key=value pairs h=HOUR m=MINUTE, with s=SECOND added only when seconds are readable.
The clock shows h=1 m=23
